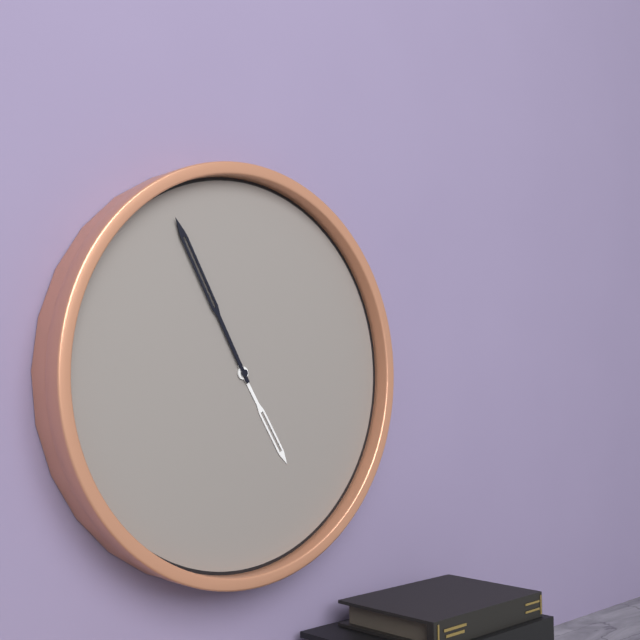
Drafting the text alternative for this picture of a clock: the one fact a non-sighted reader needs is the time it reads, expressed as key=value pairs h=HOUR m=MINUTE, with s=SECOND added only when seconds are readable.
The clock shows h=4 m=55
